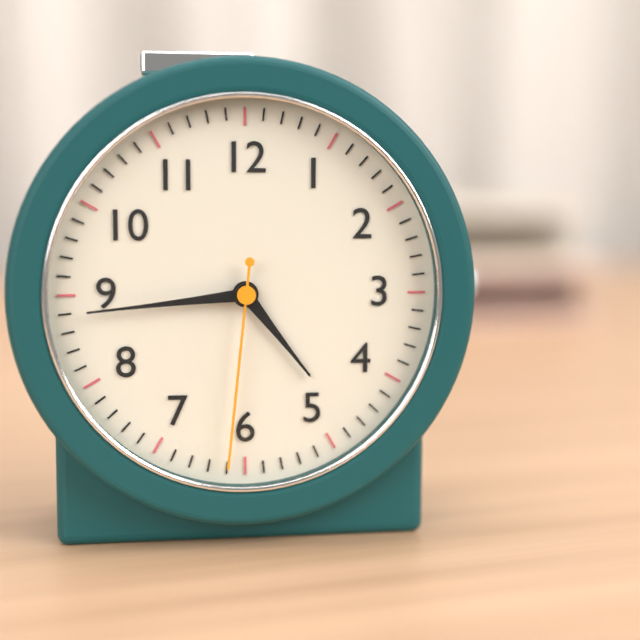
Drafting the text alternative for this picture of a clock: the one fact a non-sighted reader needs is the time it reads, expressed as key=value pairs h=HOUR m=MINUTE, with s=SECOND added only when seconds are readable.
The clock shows h=4 m=44 s=31
